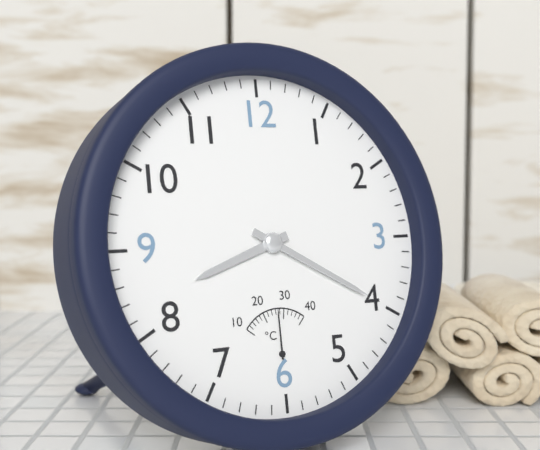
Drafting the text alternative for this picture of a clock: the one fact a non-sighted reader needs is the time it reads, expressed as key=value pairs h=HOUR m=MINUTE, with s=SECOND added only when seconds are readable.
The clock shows h=8 m=20
